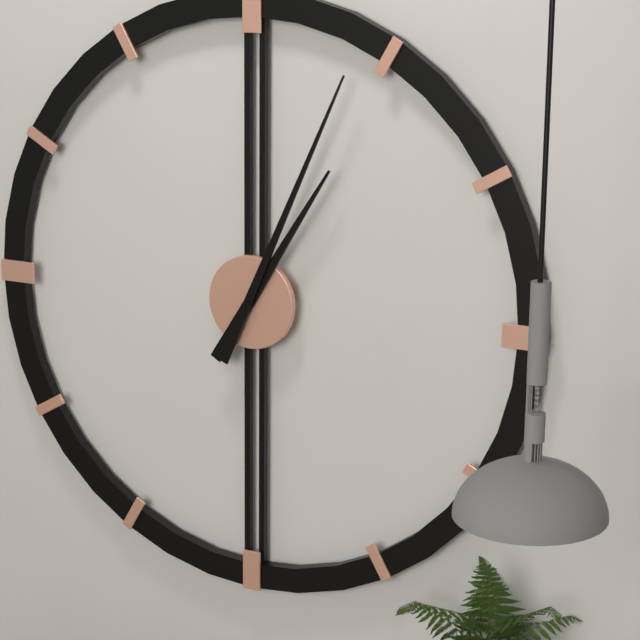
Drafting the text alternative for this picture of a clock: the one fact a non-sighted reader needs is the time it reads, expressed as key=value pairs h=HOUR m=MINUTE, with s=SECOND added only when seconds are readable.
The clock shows h=1 m=4
